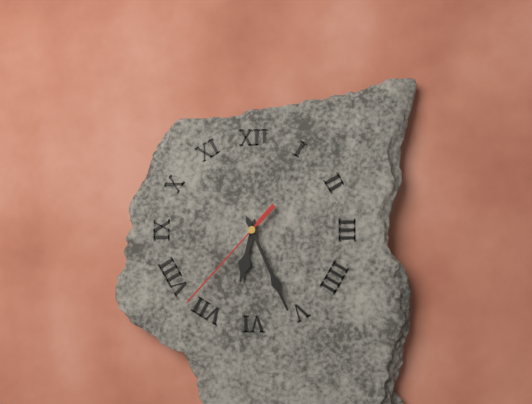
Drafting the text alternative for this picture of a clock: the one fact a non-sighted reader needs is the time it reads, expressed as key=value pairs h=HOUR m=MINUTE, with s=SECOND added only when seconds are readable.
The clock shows h=6 m=26 s=37
